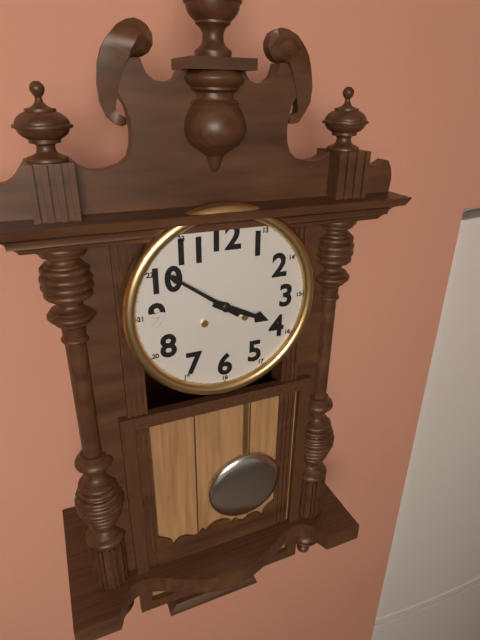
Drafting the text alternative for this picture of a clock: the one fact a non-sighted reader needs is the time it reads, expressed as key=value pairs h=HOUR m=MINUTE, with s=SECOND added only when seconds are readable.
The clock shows h=3 m=51
